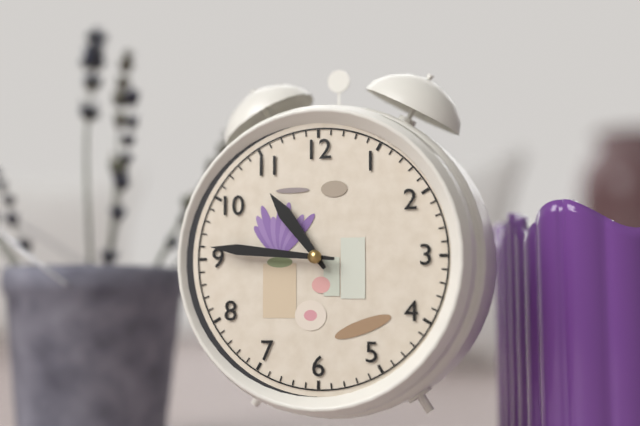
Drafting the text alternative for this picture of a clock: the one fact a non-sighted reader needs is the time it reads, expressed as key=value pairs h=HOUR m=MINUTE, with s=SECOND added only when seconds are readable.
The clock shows h=10 m=46
